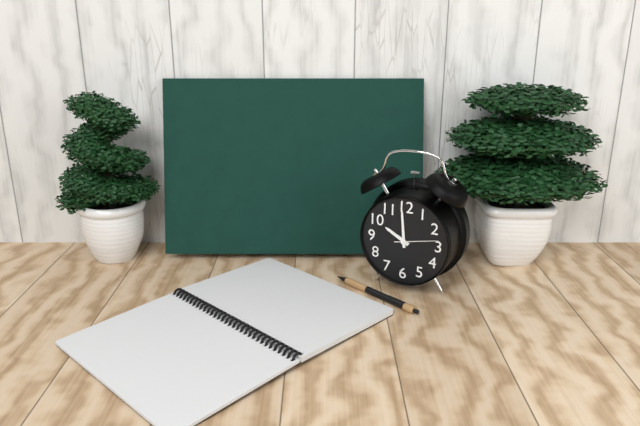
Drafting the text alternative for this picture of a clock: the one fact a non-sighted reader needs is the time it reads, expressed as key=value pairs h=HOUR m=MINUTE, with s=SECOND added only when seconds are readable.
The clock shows h=9 m=59
